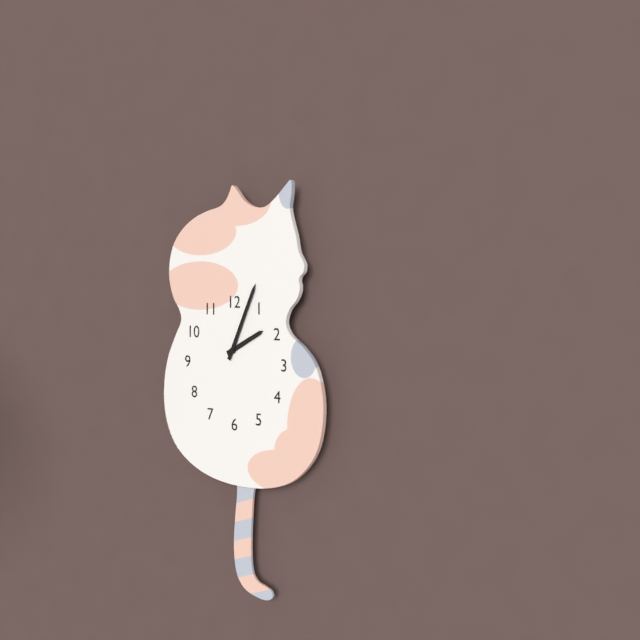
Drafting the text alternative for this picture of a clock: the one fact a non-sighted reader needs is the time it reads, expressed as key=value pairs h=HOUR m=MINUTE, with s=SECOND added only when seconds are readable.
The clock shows h=2 m=4
